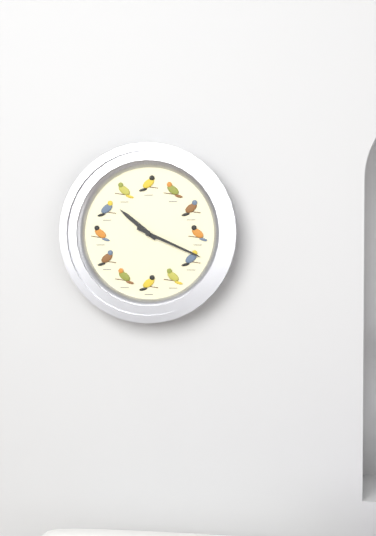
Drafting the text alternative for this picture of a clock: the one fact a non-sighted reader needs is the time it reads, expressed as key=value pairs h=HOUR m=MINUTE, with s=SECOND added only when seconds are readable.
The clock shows h=10 m=19
